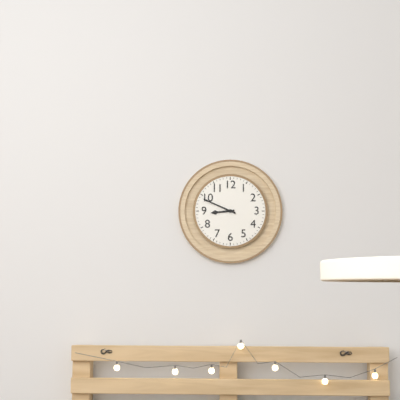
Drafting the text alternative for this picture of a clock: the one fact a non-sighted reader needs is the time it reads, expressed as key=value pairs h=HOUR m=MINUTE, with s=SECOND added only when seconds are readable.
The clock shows h=8 m=49
